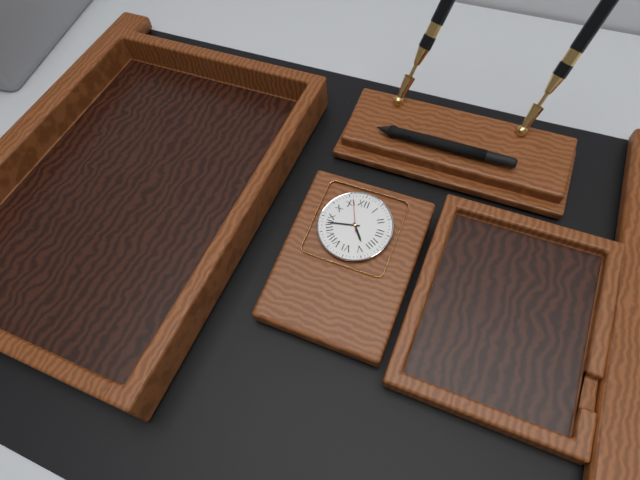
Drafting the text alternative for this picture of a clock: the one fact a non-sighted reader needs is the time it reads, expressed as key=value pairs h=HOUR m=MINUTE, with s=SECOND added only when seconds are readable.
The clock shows h=4 m=43
